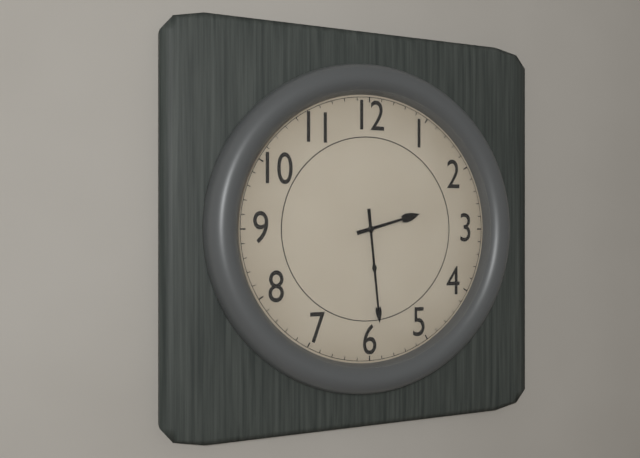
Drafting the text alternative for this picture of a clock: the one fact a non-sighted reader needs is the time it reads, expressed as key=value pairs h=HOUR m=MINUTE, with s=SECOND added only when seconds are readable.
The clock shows h=2 m=29
